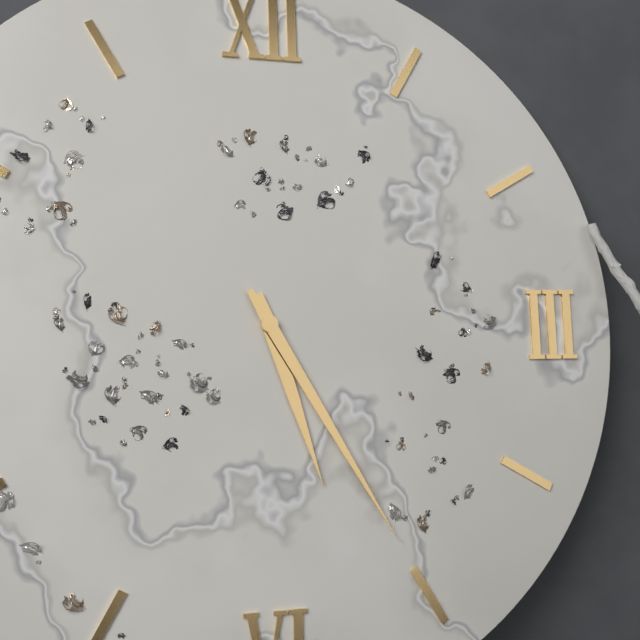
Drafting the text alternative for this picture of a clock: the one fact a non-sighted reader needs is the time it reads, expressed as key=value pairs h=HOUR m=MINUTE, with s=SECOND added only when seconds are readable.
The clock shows h=5 m=25
